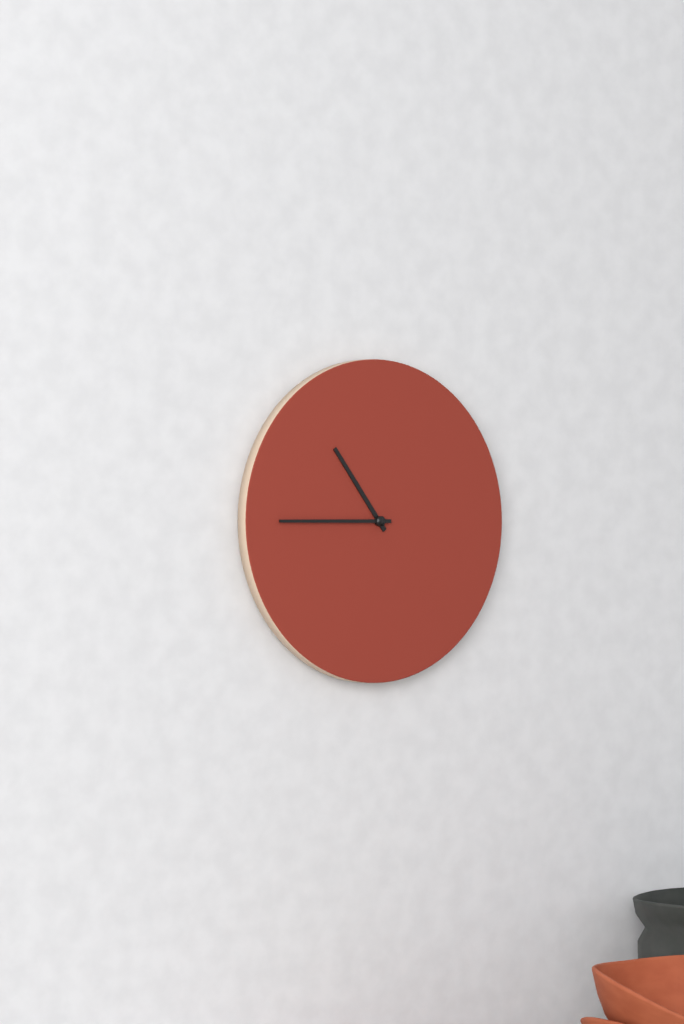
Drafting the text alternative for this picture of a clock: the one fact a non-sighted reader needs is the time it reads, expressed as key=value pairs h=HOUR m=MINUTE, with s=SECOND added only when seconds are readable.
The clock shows h=10 m=45
